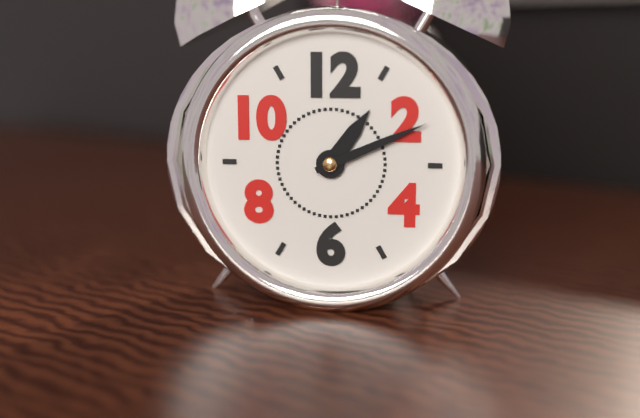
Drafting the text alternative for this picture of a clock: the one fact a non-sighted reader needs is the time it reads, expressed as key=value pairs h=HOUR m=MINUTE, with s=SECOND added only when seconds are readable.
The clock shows h=1 m=11
